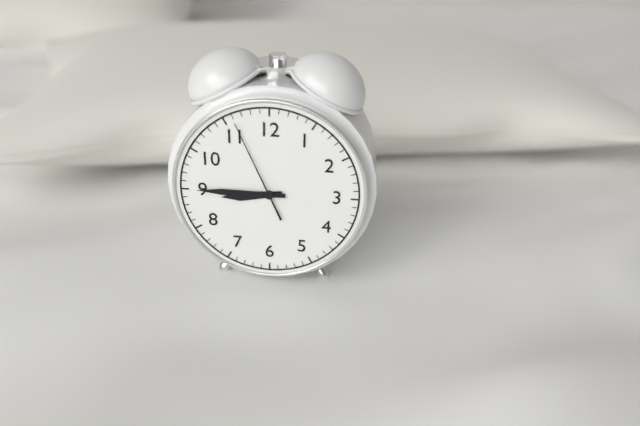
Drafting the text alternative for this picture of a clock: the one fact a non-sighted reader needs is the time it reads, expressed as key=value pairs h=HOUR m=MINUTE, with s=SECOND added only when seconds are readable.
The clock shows h=8 m=45 s=56
